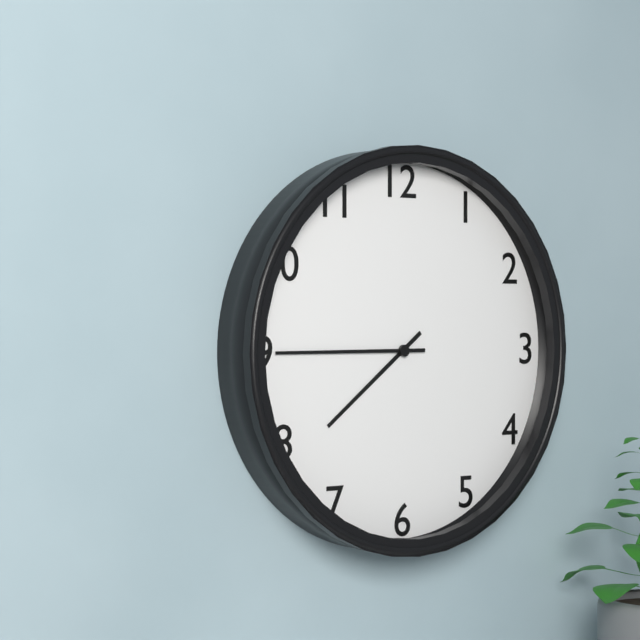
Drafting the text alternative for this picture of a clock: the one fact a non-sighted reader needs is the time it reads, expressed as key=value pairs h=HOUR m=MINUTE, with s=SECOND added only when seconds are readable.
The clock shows h=7 m=45
